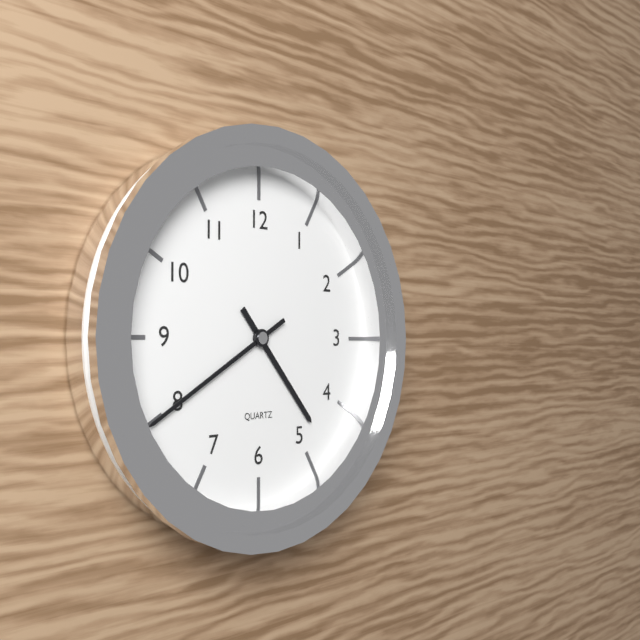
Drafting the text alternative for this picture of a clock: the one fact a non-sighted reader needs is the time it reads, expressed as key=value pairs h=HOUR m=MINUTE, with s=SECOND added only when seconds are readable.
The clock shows h=4 m=40
